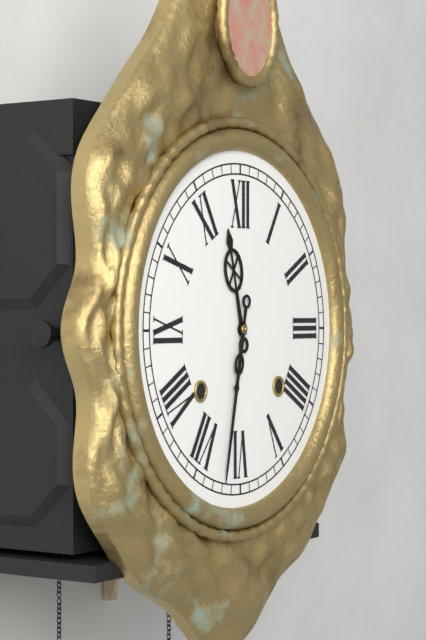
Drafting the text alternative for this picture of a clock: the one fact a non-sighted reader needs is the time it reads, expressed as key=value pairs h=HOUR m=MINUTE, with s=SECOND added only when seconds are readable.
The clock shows h=11 m=32
